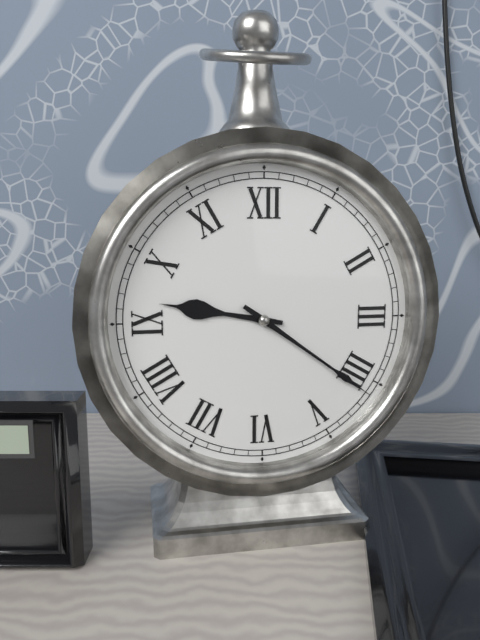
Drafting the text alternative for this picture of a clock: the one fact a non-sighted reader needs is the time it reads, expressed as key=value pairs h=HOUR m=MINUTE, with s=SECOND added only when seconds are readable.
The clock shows h=9 m=21
